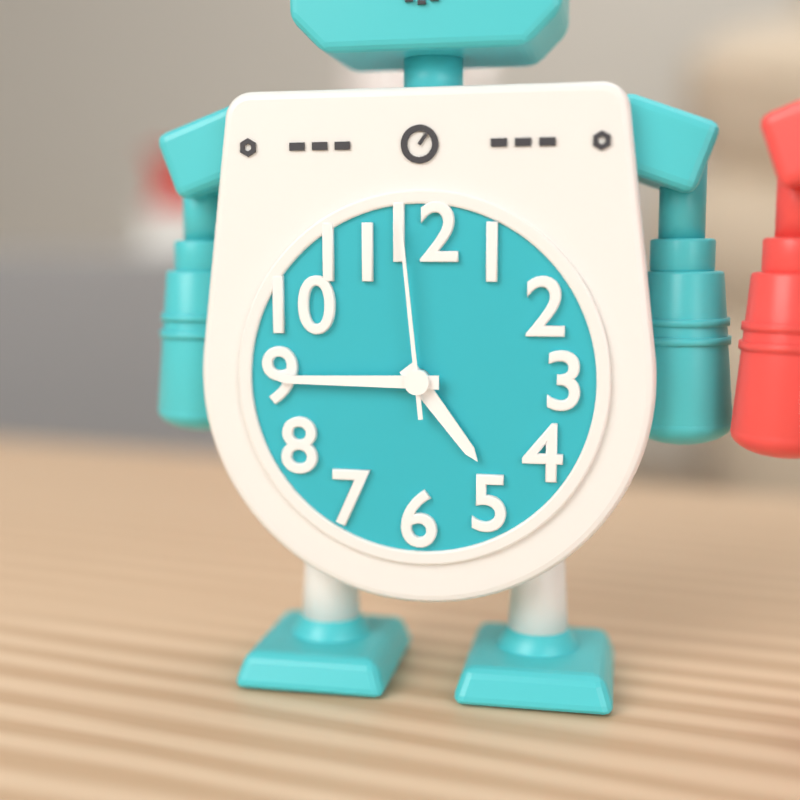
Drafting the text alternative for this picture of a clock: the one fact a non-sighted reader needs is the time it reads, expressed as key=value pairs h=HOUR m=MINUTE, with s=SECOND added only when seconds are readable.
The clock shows h=4 m=45 s=59
